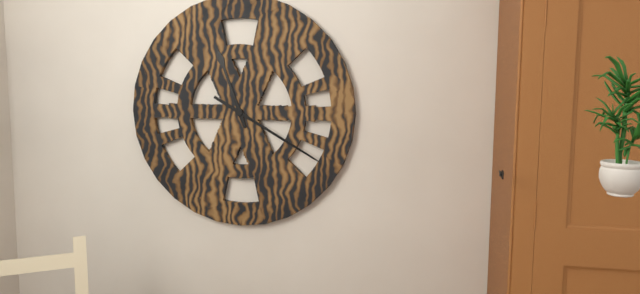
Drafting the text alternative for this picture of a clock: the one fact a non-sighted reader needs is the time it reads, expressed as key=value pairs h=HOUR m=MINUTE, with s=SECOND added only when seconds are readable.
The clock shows h=11 m=20
